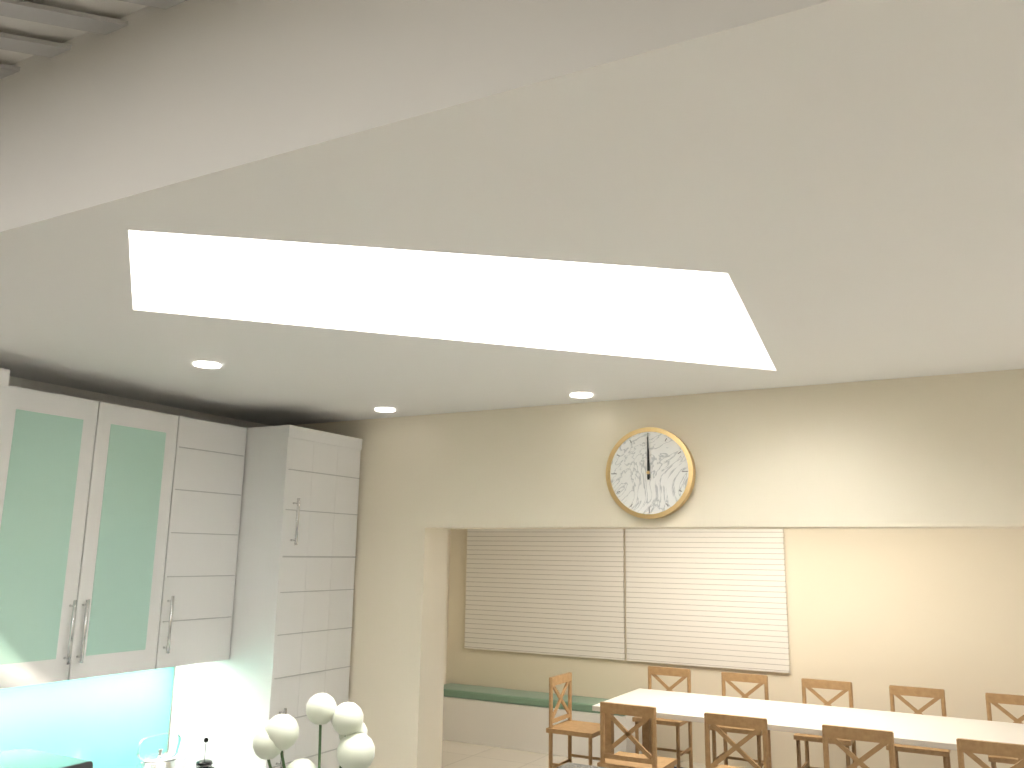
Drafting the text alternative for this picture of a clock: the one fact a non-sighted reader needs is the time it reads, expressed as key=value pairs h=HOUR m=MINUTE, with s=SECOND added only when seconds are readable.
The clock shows h=12 m=0
